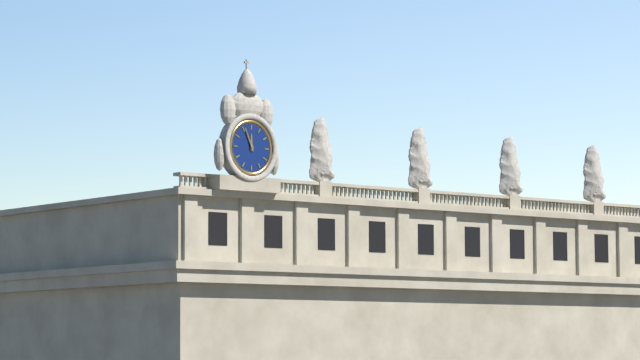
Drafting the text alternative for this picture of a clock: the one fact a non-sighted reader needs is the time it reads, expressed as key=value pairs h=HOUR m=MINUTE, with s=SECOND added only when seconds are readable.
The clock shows h=11 m=56
